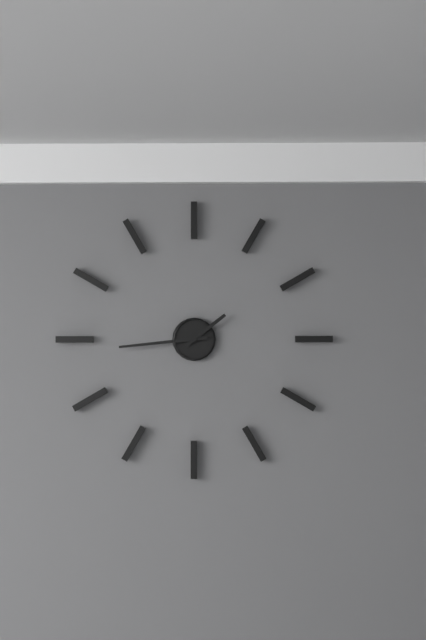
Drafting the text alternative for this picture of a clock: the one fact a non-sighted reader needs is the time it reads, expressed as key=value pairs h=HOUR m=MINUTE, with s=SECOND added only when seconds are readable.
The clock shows h=1 m=44
